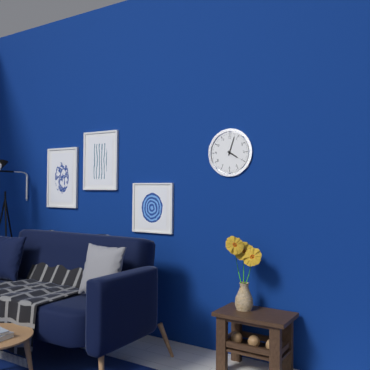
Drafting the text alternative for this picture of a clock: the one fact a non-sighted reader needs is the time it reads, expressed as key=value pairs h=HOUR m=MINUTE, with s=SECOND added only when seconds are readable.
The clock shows h=4 m=3
